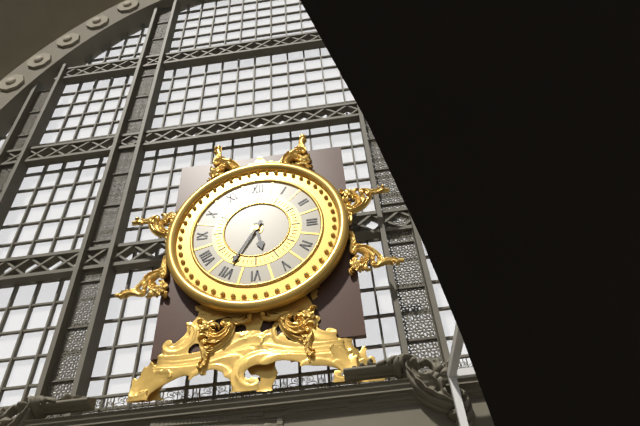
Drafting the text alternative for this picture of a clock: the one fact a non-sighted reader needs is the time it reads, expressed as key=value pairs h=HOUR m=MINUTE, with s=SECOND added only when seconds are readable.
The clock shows h=5 m=35
